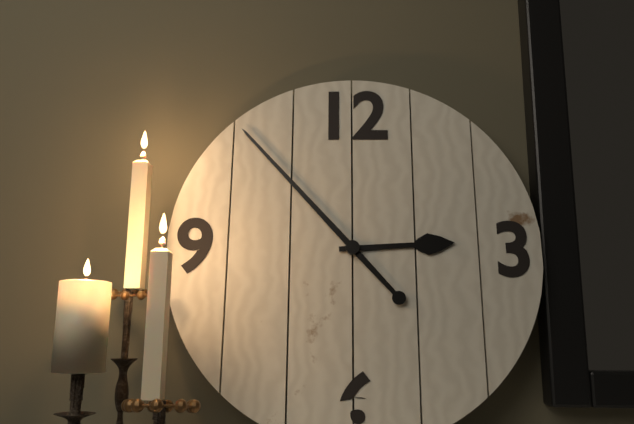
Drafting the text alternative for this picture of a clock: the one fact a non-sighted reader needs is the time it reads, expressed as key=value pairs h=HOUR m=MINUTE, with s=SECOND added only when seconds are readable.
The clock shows h=2 m=53
